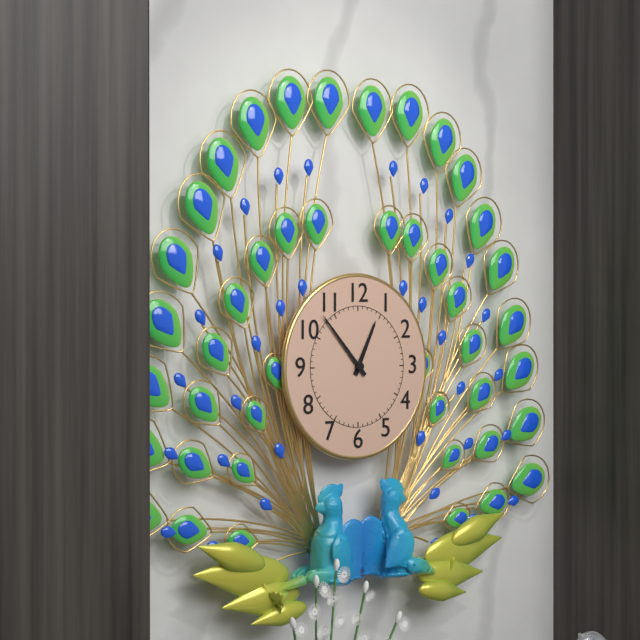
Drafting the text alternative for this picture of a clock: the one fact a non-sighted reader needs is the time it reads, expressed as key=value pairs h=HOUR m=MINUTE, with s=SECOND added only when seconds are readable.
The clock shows h=12 m=53
